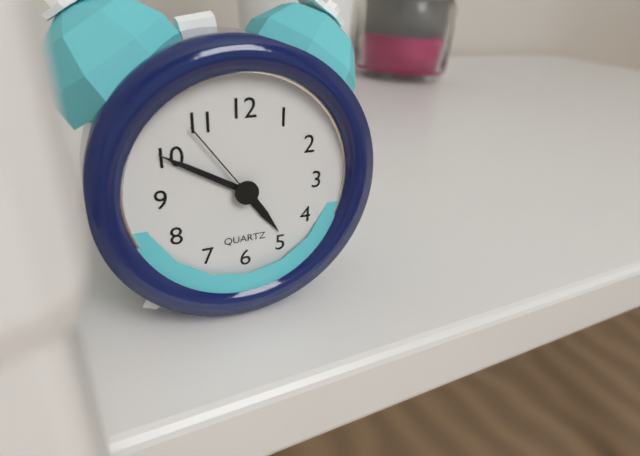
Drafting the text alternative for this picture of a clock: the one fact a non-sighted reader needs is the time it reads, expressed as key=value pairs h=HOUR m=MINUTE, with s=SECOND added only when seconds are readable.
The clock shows h=4 m=50 s=54
